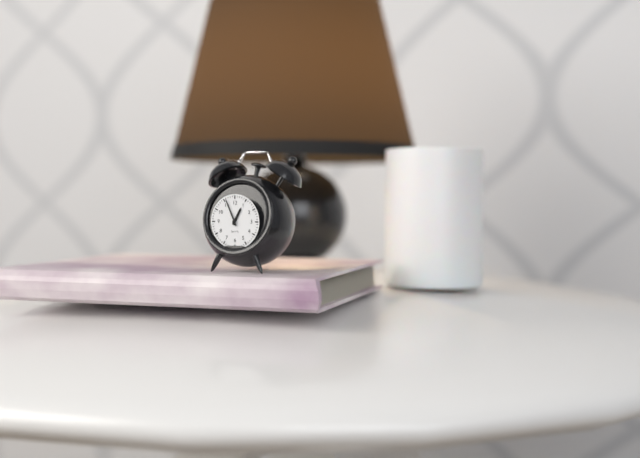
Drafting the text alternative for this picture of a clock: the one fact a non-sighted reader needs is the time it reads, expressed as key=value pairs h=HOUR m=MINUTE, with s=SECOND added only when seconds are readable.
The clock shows h=12 m=56
